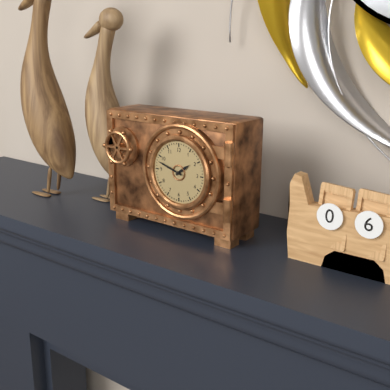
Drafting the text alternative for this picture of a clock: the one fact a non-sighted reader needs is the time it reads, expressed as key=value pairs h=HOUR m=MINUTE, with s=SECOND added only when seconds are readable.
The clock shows h=1 m=48
